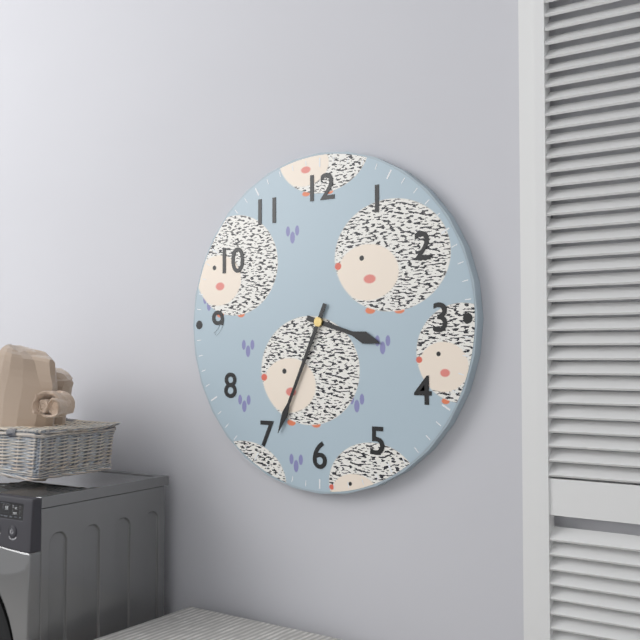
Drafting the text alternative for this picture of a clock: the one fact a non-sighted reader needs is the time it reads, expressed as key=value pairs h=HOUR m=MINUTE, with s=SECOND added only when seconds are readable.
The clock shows h=3 m=34
